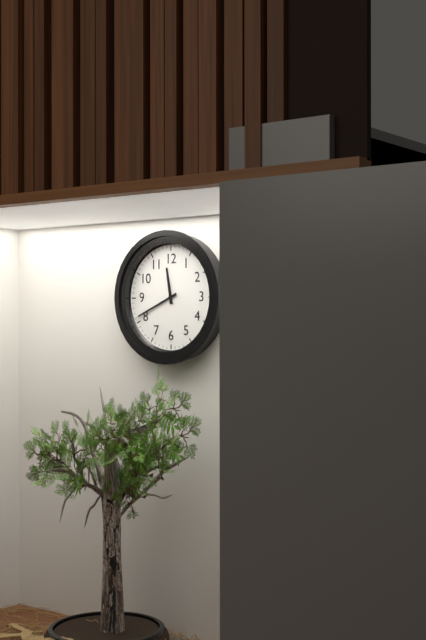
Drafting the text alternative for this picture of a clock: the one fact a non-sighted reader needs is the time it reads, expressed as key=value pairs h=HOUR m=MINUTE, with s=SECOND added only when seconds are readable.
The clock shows h=11 m=41
